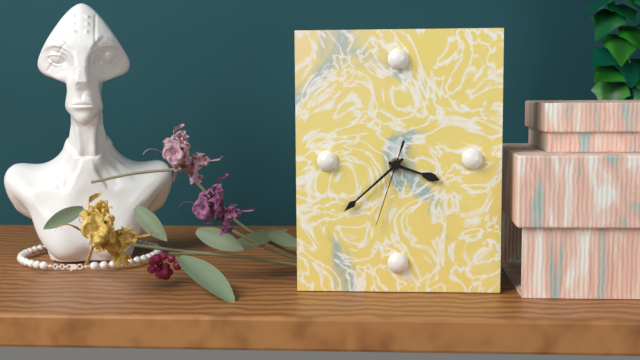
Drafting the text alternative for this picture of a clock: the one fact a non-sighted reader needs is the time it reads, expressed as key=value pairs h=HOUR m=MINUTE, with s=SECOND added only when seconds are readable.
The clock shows h=3 m=38 s=33
